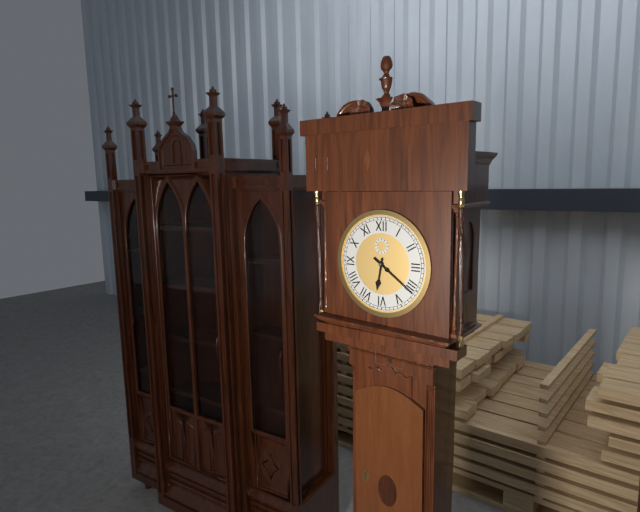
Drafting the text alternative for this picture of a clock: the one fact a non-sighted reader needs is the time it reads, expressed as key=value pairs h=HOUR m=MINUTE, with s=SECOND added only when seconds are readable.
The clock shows h=6 m=21
